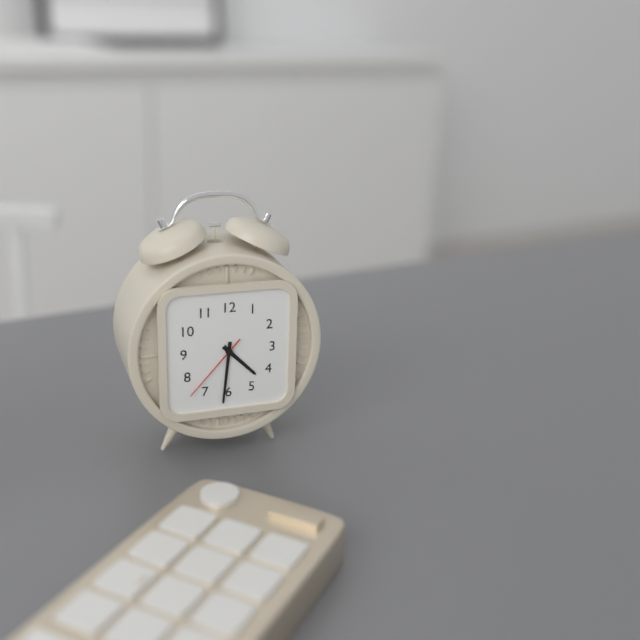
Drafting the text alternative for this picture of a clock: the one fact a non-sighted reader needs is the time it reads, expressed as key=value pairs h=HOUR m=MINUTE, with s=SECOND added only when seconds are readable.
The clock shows h=4 m=31 s=37
